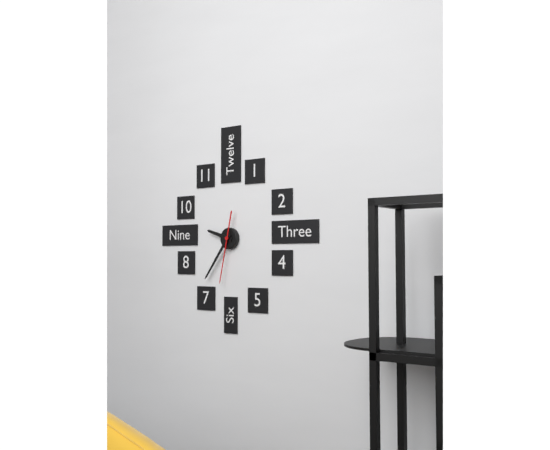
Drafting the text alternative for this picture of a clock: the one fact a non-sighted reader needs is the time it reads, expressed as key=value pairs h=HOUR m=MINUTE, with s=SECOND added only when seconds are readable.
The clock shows h=9 m=36 s=32
